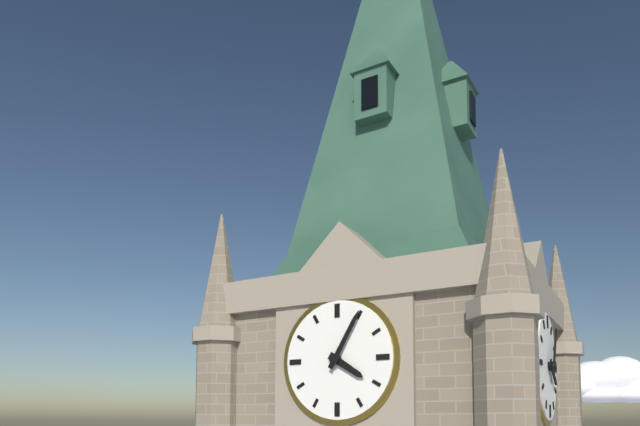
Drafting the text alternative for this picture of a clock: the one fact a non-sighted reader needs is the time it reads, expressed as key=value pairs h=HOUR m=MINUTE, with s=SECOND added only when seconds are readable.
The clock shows h=4 m=5
